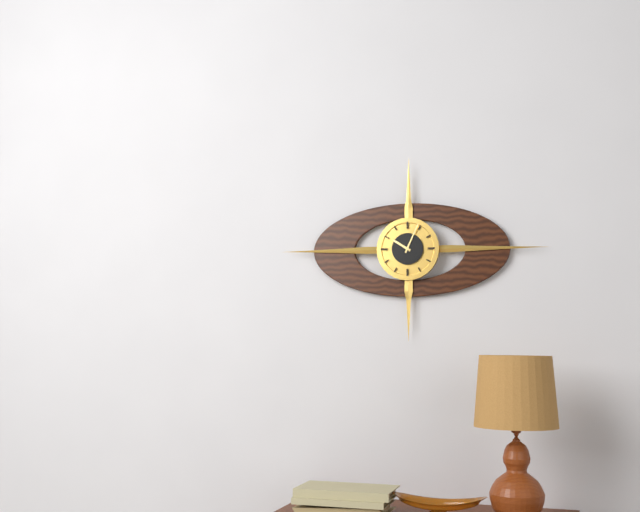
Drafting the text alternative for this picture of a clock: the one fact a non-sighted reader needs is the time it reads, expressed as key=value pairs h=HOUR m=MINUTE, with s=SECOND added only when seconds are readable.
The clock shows h=10 m=4
